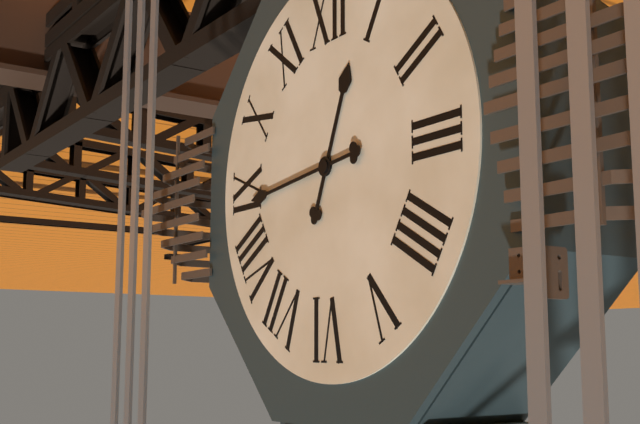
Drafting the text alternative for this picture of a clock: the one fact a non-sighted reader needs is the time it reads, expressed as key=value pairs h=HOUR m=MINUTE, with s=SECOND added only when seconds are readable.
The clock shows h=12 m=44
